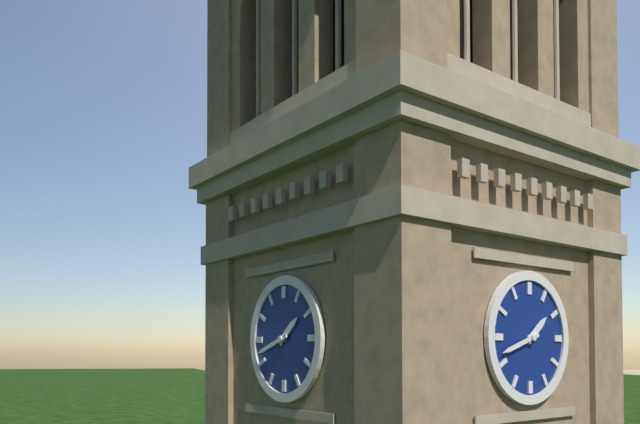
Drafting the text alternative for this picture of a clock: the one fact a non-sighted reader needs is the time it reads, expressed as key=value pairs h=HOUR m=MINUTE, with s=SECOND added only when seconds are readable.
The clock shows h=1 m=42
